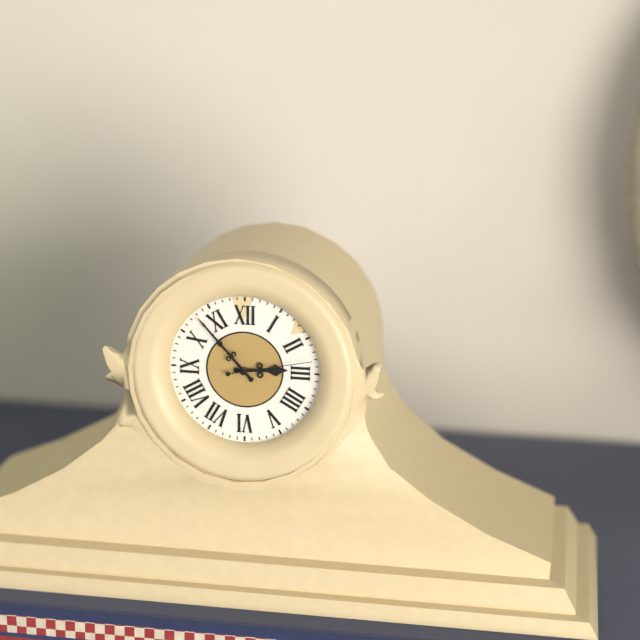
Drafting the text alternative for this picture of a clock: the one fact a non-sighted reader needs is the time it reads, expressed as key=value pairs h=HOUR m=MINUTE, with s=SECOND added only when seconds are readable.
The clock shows h=2 m=53 s=13
